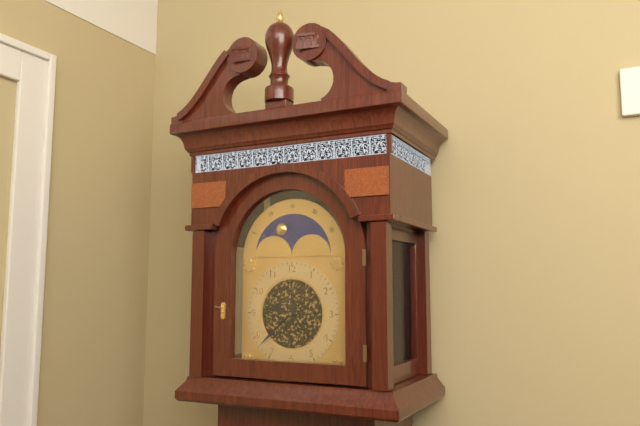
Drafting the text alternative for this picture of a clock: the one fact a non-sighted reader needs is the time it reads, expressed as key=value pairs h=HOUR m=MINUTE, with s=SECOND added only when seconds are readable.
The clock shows h=9 m=38
